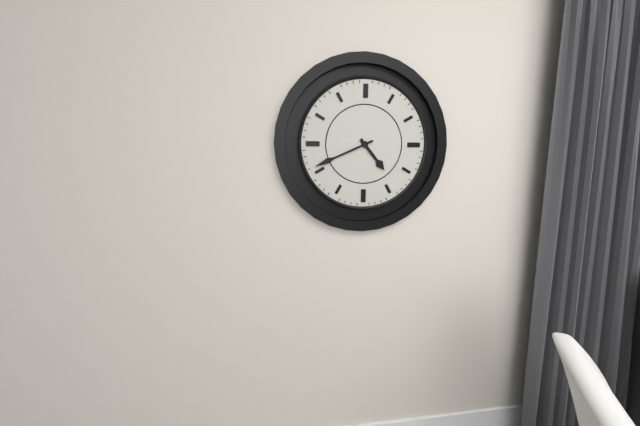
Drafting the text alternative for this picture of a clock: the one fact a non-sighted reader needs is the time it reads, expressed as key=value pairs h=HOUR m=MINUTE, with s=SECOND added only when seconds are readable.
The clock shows h=4 m=41
